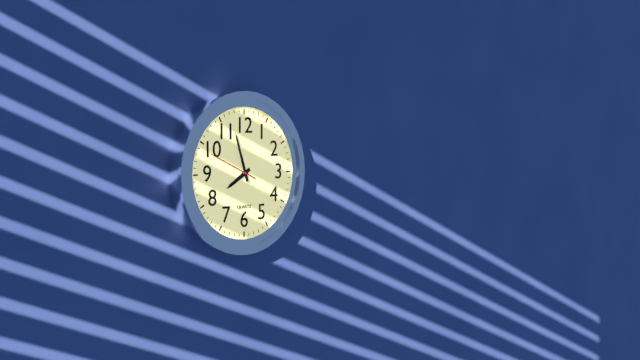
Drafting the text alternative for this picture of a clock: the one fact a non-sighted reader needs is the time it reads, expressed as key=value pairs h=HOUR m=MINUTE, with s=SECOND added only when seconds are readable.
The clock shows h=7 m=57
